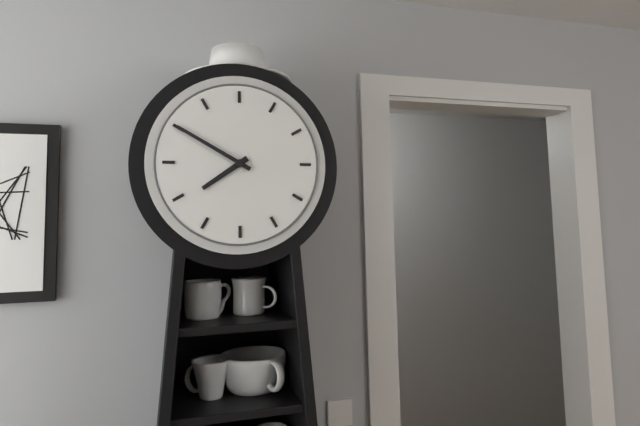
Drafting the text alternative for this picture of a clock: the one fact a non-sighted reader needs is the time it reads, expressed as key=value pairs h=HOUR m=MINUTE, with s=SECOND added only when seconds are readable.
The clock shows h=7 m=50
